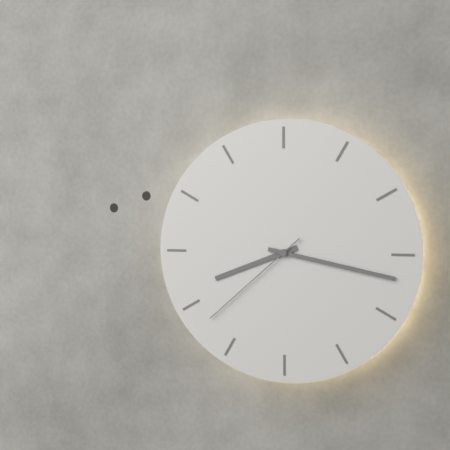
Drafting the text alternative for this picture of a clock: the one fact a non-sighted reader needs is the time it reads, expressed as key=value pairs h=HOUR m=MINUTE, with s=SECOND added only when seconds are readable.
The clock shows h=8 m=17 s=38
